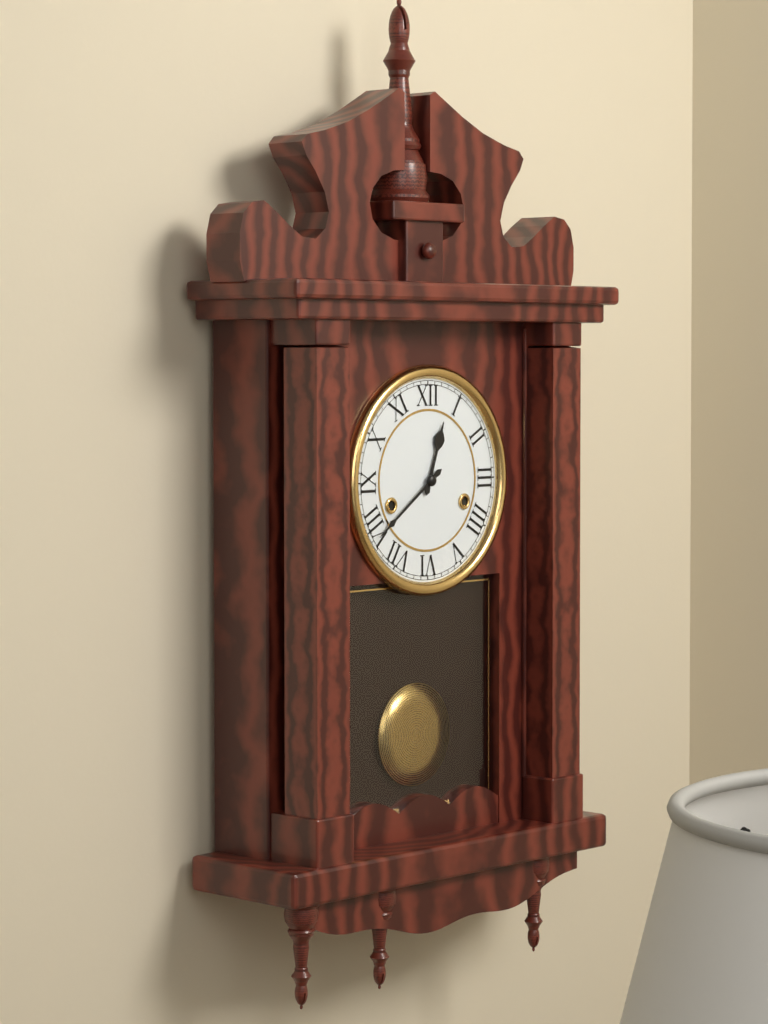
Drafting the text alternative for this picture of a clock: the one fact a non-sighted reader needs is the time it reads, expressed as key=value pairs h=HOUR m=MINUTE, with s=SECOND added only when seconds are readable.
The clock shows h=12 m=39
